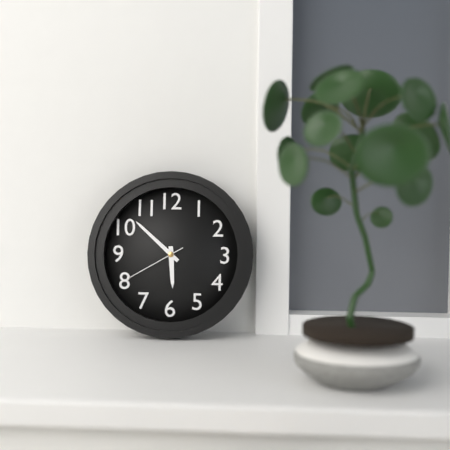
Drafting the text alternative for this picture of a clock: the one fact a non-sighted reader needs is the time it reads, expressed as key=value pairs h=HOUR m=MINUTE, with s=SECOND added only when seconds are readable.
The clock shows h=5 m=52 s=40
